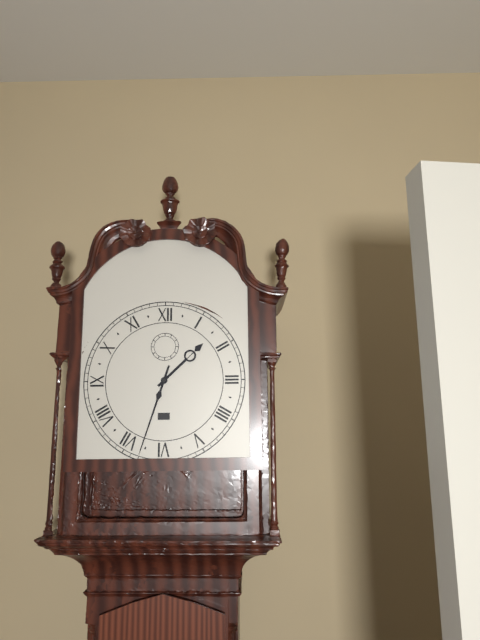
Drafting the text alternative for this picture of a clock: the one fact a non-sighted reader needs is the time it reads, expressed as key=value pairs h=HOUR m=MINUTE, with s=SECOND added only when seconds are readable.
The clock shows h=1 m=33
